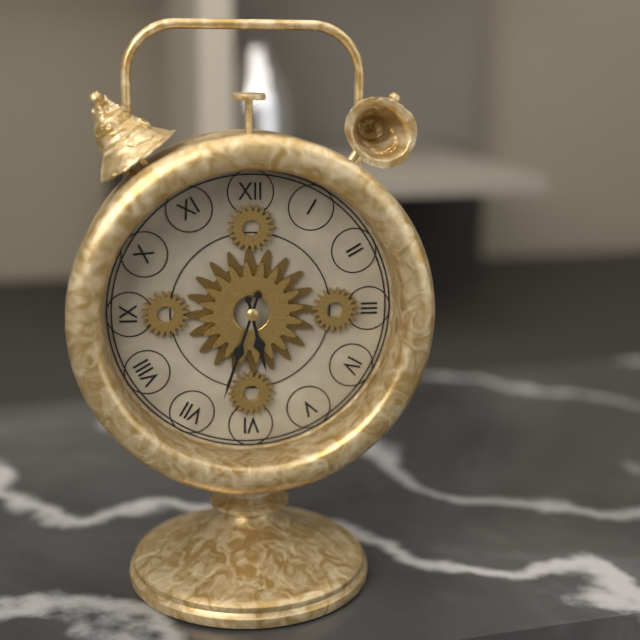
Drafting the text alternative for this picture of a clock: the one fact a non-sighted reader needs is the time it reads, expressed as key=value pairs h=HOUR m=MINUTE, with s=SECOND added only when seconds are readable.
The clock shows h=5 m=33
